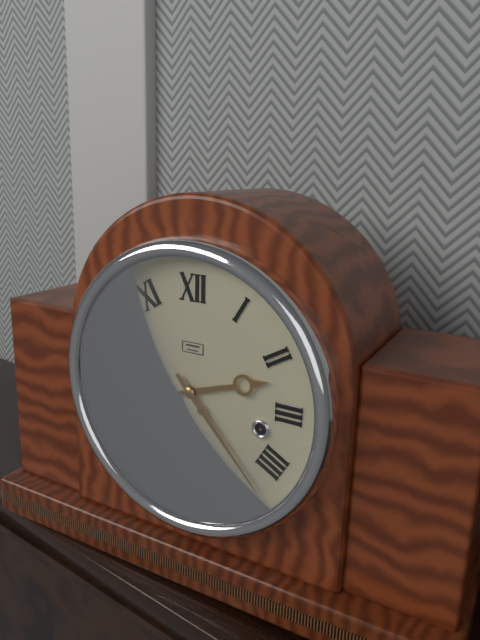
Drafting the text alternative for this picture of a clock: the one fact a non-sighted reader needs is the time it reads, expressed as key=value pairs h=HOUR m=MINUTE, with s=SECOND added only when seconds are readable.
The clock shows h=2 m=23
